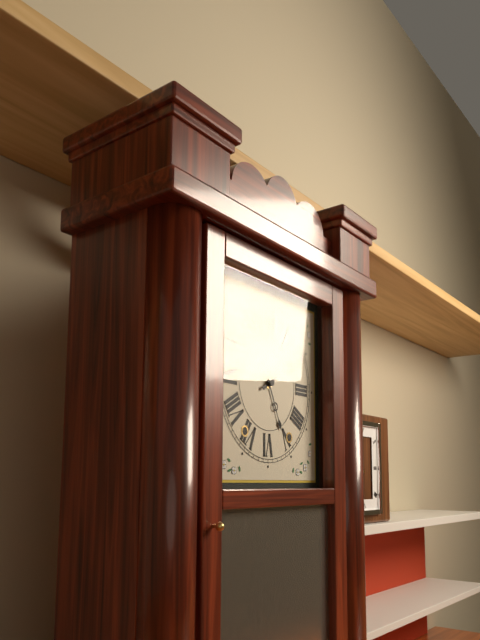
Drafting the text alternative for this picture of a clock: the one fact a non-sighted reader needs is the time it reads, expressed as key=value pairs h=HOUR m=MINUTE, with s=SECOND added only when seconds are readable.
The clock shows h=5 m=10
